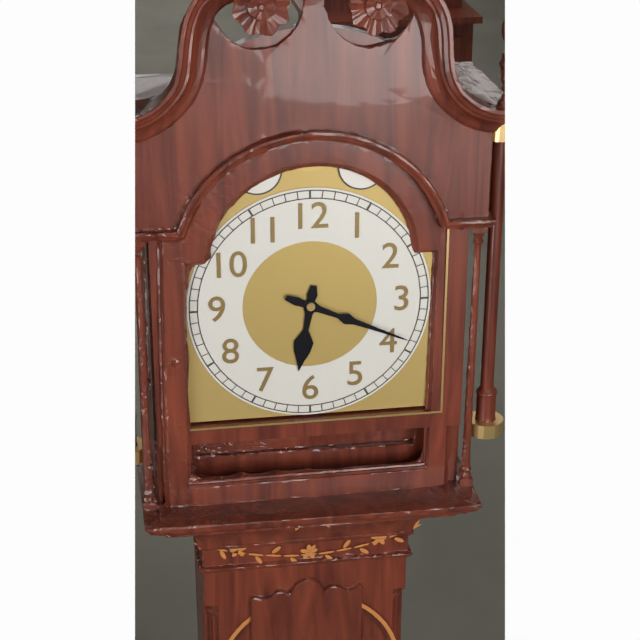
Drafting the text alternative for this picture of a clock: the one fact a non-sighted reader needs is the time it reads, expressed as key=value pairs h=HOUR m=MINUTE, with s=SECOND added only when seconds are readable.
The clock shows h=6 m=19
